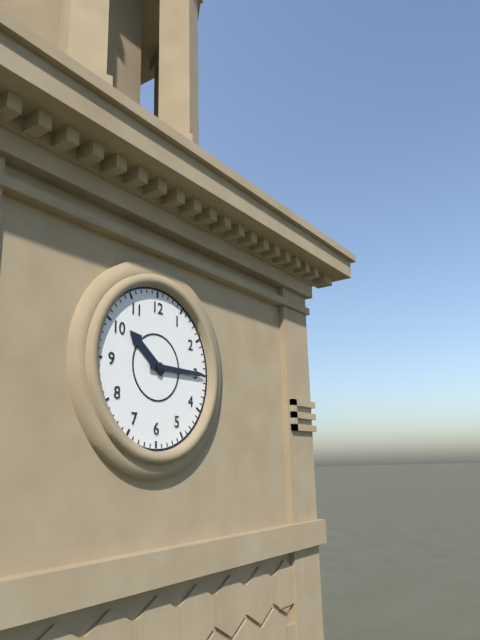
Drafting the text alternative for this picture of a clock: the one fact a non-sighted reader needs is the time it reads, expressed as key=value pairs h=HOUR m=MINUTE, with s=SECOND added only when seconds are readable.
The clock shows h=10 m=15
